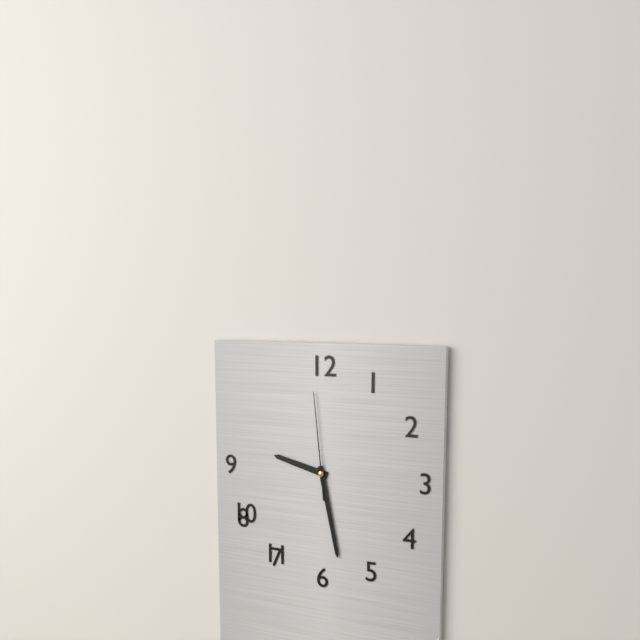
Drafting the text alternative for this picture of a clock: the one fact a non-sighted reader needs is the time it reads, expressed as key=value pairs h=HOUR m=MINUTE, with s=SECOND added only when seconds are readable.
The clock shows h=9 m=28 s=59
